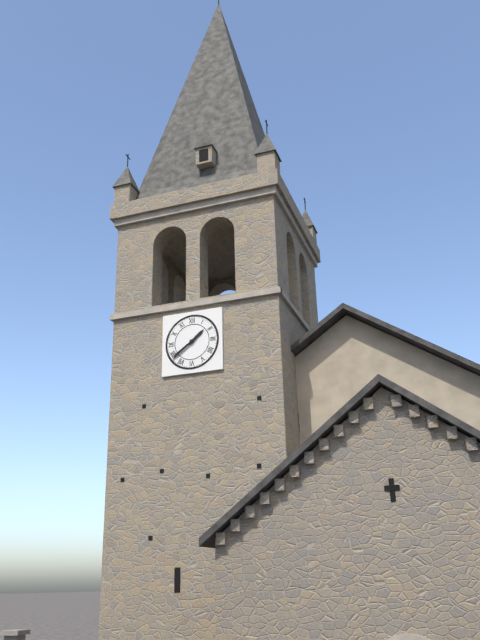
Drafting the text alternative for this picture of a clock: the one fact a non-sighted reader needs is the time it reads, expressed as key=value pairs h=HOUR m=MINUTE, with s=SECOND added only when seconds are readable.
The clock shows h=1 m=39
